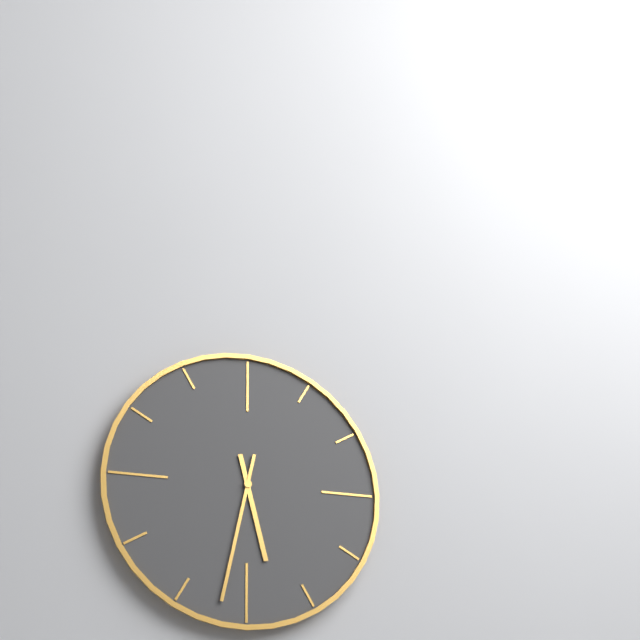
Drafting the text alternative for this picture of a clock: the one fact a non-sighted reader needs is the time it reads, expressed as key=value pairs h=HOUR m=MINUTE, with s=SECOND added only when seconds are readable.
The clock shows h=5 m=32
